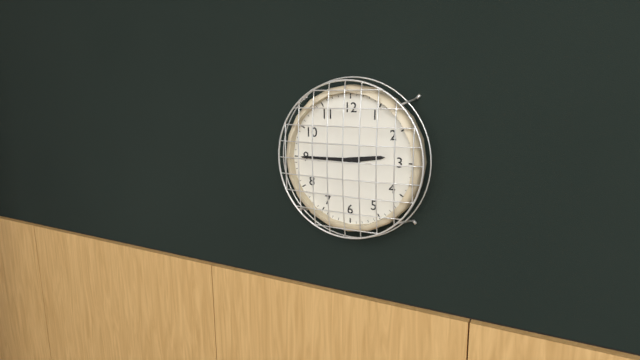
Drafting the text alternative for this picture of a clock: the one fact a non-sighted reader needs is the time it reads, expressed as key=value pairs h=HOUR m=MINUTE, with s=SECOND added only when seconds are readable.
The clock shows h=2 m=45
